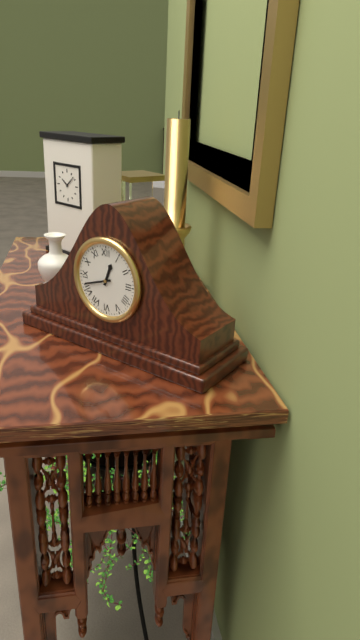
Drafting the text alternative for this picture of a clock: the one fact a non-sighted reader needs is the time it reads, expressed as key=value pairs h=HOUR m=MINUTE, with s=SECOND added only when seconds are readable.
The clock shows h=12 m=42
